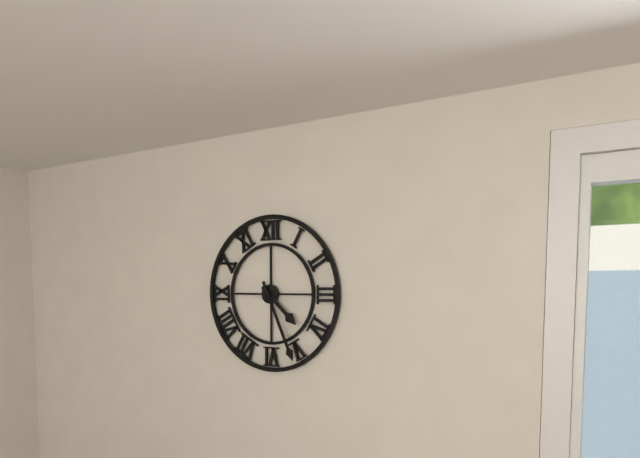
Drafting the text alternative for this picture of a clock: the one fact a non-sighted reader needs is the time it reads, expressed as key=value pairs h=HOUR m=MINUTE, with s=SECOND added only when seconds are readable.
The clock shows h=4 m=26
